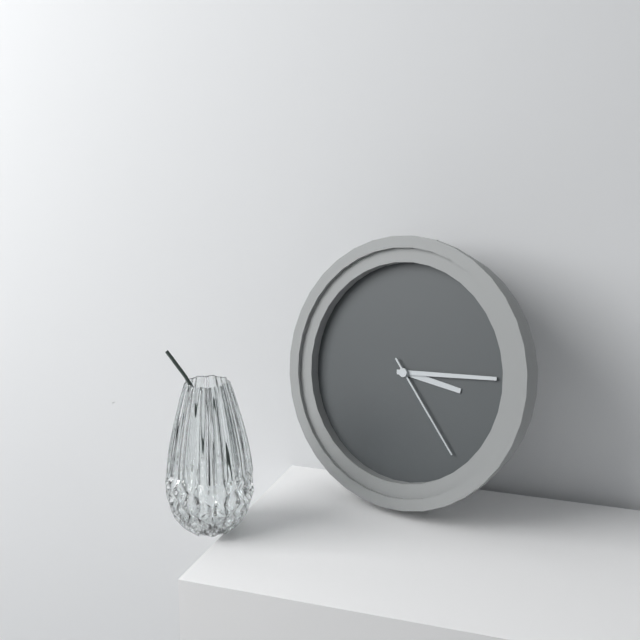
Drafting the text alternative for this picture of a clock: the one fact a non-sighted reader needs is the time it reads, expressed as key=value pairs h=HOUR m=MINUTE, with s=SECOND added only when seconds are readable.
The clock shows h=3 m=14 s=23
